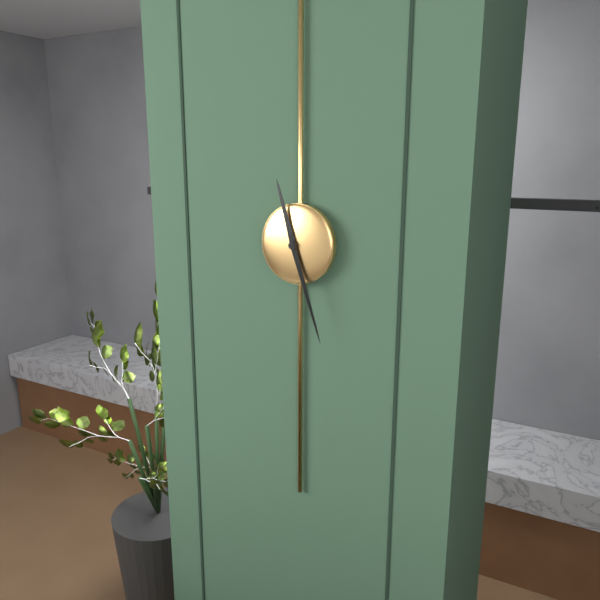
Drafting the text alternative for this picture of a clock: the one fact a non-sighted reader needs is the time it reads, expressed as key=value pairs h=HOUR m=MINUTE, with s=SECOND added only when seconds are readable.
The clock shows h=11 m=27
